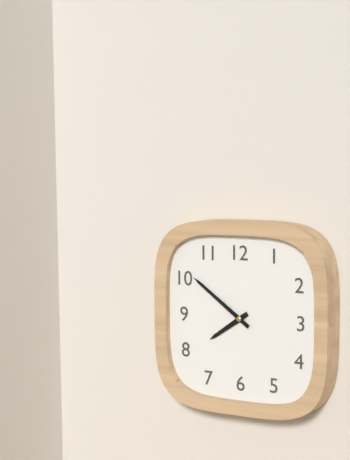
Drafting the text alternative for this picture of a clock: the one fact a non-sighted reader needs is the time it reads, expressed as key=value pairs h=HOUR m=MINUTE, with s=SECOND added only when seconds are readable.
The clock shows h=7 m=51
